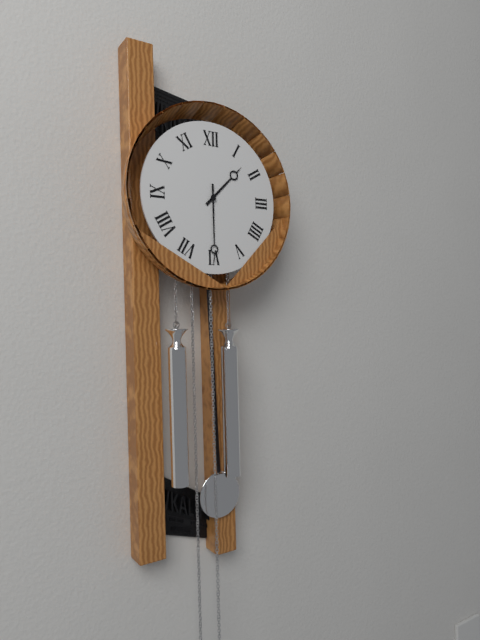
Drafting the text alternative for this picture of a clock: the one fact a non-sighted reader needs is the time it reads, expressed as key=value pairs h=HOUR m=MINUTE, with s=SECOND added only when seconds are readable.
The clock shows h=1 m=30
